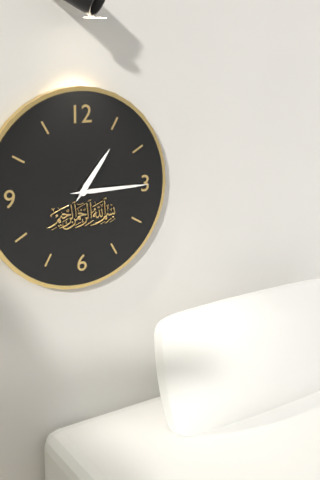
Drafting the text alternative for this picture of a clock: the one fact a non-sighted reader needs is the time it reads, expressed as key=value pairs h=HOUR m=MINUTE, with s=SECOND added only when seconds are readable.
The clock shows h=1 m=15
